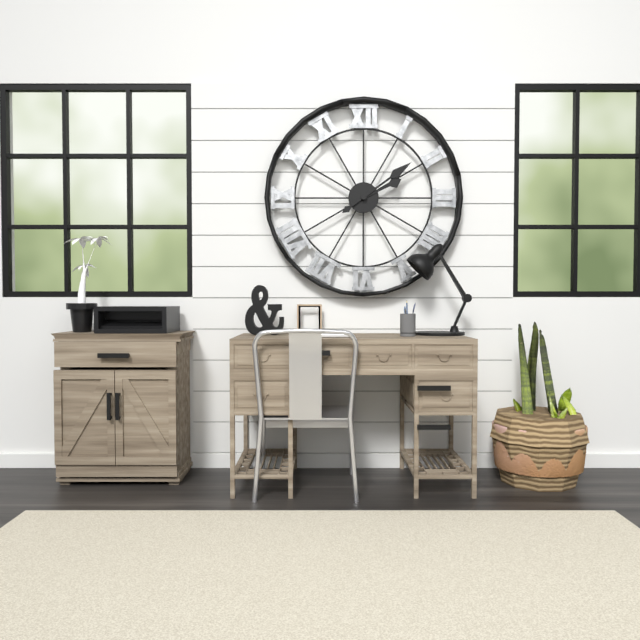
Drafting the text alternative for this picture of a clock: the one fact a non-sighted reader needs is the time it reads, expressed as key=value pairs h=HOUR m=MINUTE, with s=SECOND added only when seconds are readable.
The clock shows h=2 m=9
